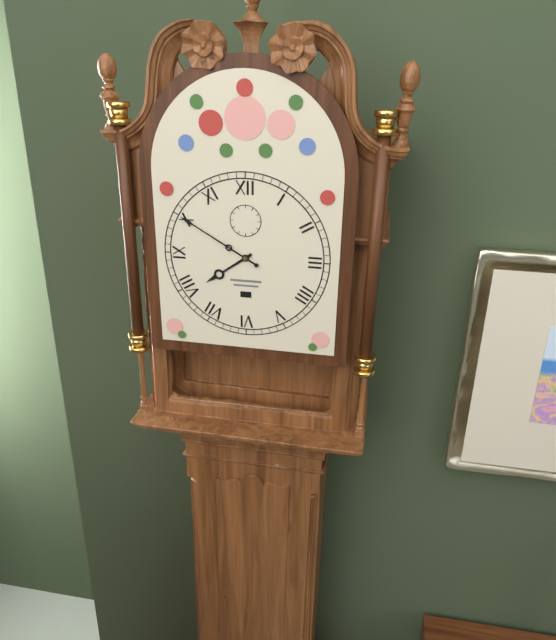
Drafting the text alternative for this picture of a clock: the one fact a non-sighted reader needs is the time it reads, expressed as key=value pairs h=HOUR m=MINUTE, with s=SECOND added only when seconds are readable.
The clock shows h=7 m=50
